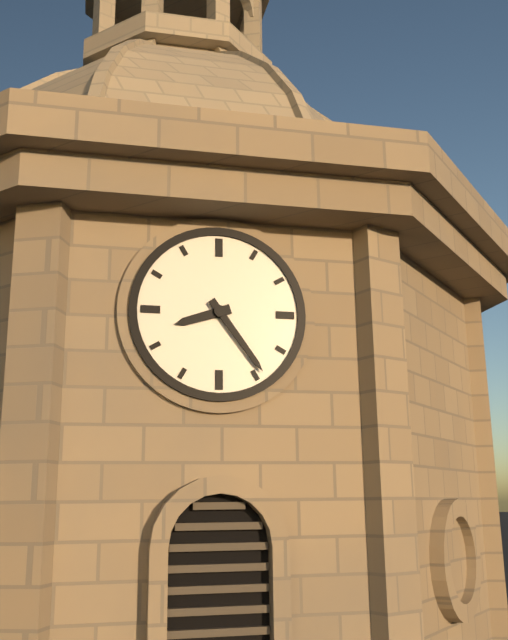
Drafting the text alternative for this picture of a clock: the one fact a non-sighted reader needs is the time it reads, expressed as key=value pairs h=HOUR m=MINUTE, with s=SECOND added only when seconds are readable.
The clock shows h=8 m=24
